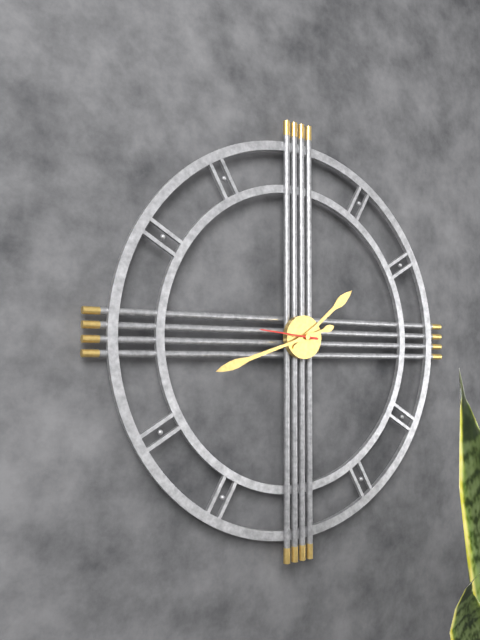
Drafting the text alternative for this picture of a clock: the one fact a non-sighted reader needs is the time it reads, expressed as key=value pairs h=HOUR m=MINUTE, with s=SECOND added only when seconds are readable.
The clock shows h=1 m=42 s=46
